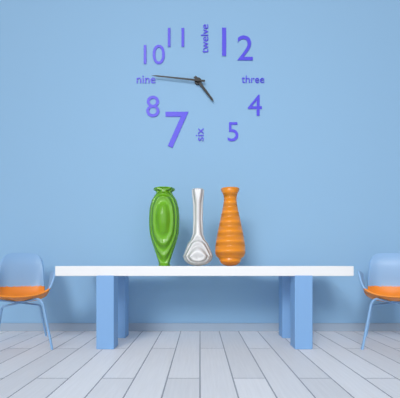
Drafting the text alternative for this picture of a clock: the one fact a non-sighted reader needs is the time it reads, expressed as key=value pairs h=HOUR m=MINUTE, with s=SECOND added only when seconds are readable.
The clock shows h=4 m=46
